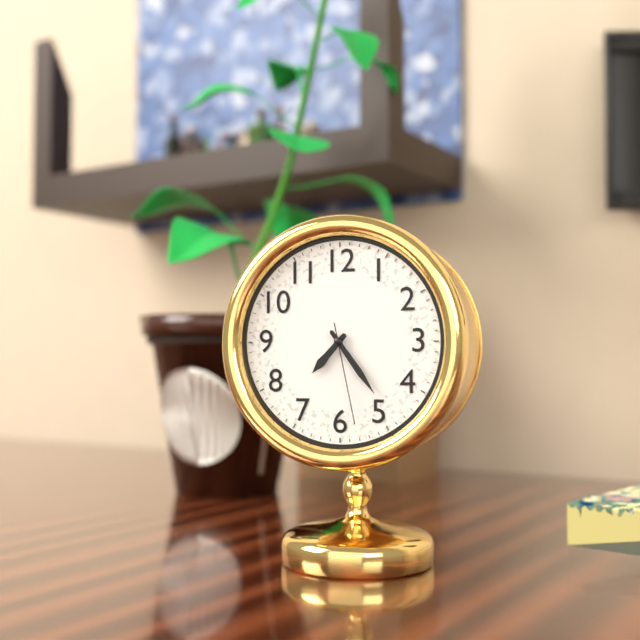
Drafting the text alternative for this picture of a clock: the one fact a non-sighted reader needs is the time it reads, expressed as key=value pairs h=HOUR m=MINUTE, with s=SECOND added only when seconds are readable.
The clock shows h=7 m=24 s=28
